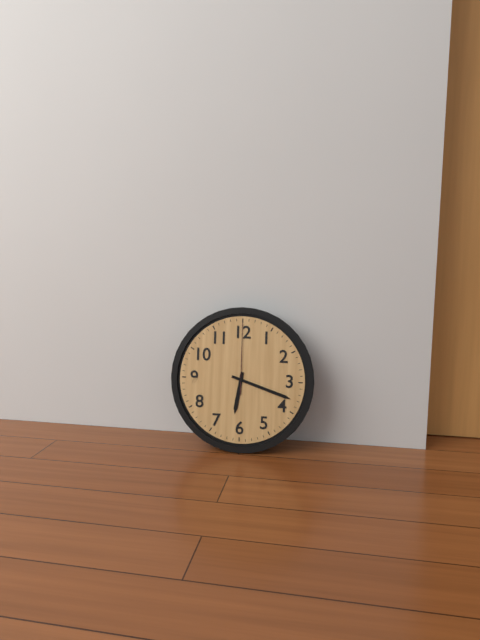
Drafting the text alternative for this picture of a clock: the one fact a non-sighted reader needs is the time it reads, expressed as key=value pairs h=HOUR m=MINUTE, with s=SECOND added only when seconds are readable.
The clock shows h=6 m=18 s=0
